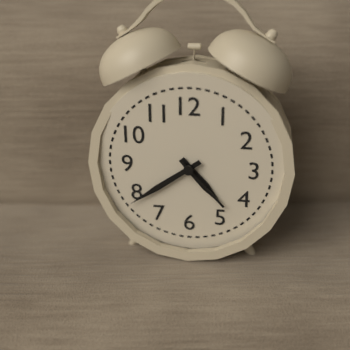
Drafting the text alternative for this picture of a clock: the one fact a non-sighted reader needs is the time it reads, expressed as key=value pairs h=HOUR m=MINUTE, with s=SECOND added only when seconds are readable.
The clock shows h=4 m=39 s=23
